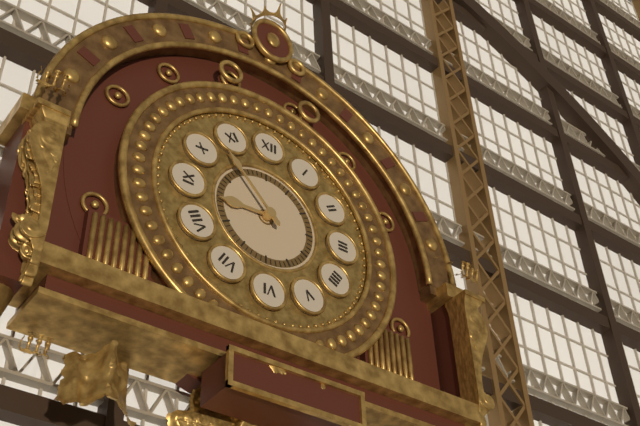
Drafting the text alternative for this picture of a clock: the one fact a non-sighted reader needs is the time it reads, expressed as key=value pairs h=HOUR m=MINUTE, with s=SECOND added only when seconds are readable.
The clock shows h=8 m=53
